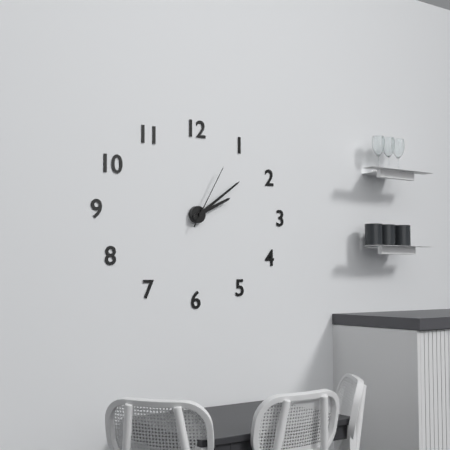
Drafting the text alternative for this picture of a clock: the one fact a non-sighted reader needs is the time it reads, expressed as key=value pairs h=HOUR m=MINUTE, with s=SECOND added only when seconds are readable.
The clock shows h=2 m=9 s=5
